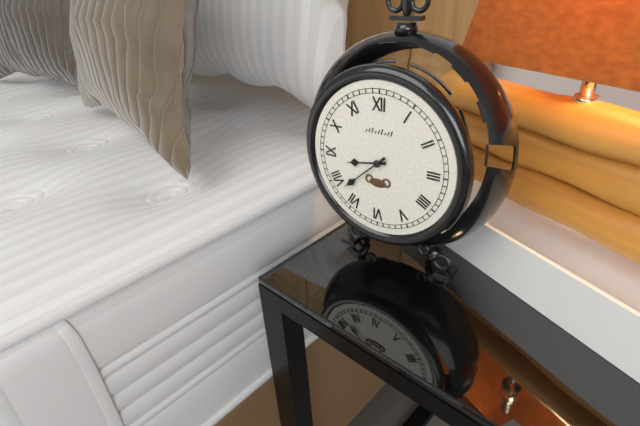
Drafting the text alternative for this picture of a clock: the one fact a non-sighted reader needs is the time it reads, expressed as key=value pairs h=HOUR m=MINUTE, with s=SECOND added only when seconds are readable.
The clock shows h=8 m=38
